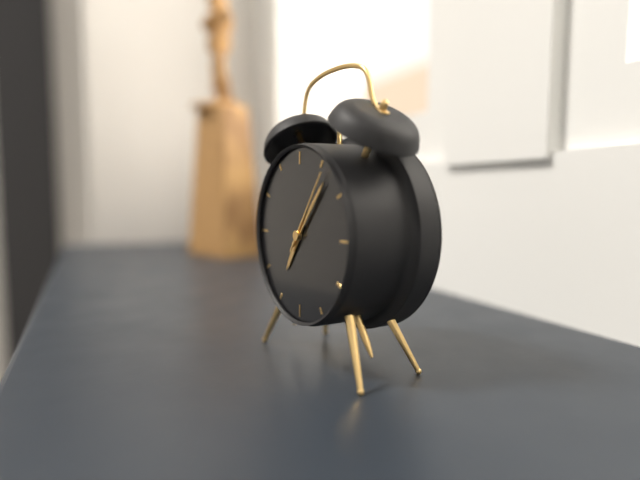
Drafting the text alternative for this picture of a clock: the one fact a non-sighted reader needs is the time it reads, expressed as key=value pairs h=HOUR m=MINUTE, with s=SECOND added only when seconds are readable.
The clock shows h=7 m=7 s=6
